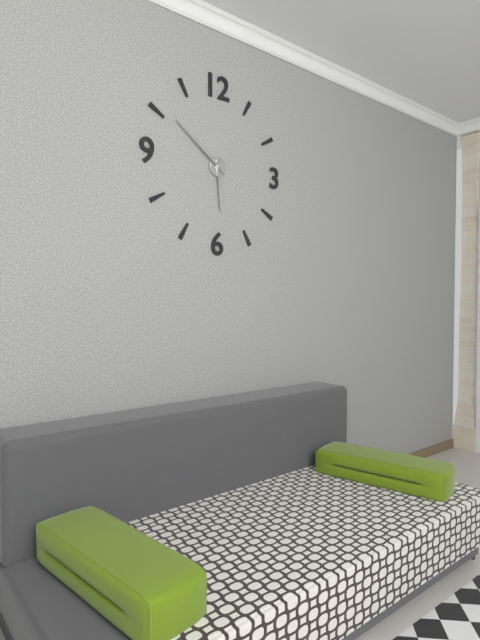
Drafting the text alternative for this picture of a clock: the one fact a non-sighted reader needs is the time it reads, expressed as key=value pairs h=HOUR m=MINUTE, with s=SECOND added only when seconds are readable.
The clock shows h=5 m=51
